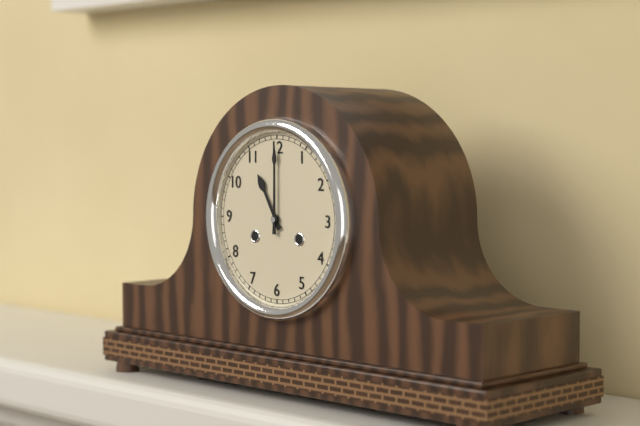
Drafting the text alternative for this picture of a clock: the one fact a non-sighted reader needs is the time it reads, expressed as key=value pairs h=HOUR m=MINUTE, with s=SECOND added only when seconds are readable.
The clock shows h=11 m=0
